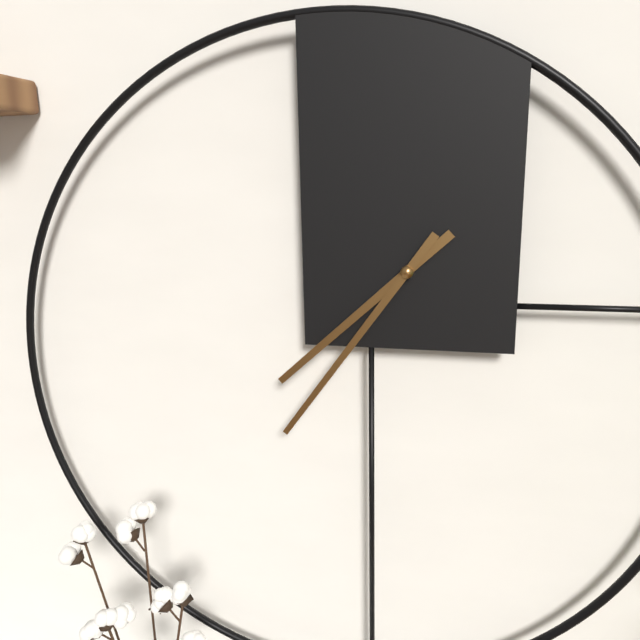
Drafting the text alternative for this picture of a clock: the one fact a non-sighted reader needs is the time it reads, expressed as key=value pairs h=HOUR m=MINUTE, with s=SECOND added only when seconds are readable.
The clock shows h=7 m=36
